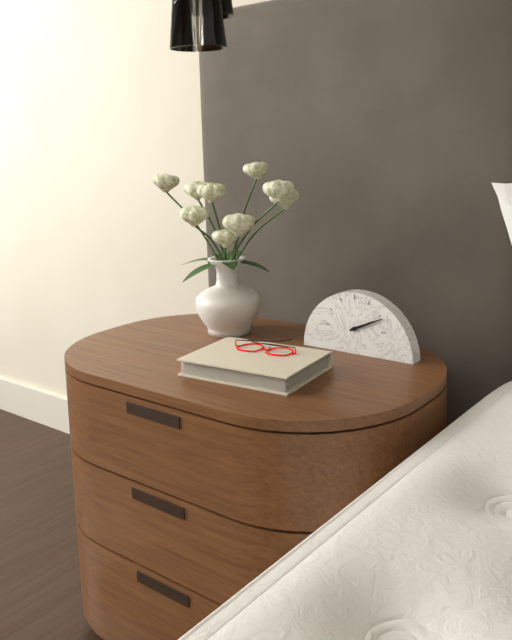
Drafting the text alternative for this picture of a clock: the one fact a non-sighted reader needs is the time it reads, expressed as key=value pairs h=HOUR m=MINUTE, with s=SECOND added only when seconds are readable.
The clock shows h=2 m=11
